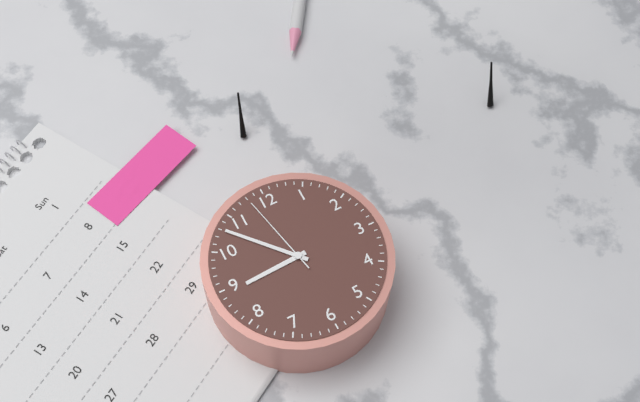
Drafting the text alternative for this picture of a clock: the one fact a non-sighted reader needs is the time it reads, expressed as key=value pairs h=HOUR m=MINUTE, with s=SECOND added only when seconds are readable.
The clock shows h=8 m=53 s=58
